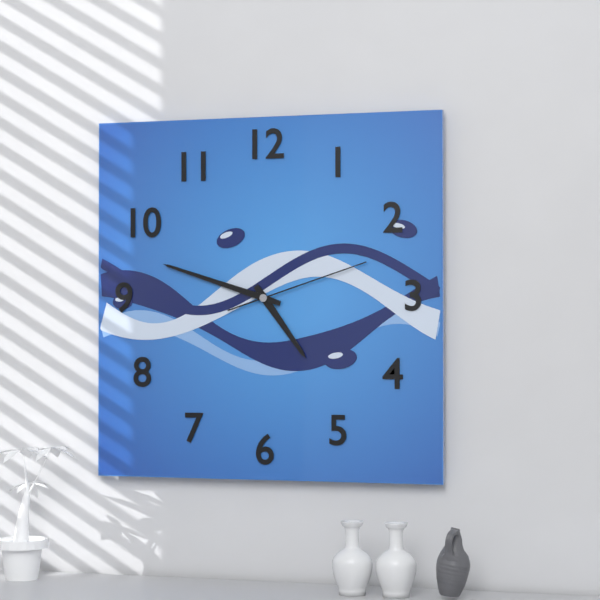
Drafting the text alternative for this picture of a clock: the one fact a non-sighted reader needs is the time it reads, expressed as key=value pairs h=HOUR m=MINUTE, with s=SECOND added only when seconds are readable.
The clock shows h=4 m=48 s=12
